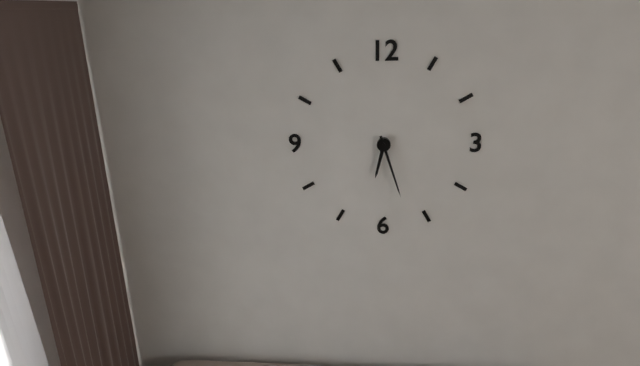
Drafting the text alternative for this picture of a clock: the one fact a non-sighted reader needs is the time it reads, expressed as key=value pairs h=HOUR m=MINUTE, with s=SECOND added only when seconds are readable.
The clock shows h=6 m=27
